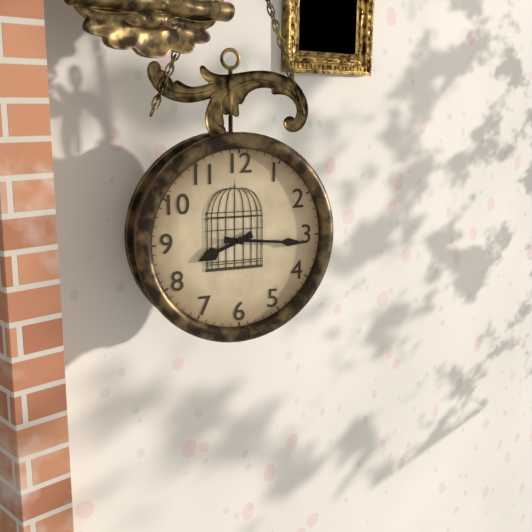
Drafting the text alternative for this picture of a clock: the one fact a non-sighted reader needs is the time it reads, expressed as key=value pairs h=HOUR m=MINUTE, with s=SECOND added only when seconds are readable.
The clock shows h=8 m=16
